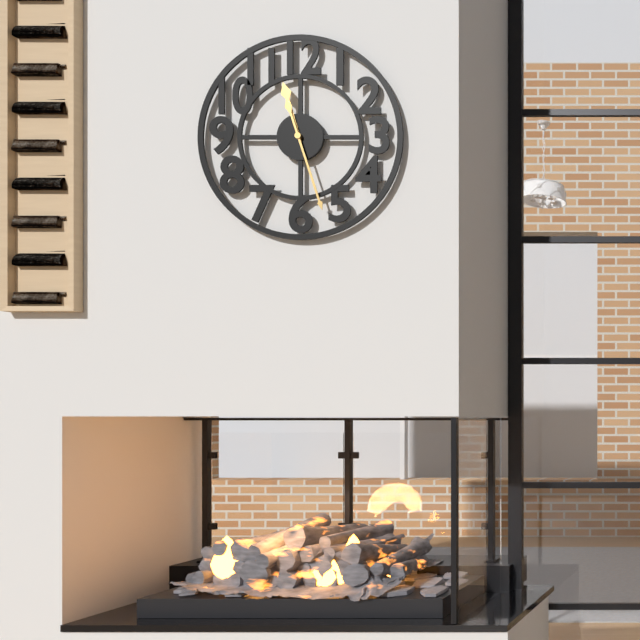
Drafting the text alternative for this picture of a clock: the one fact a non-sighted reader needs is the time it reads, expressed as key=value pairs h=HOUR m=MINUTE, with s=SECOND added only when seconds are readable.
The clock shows h=11 m=27
